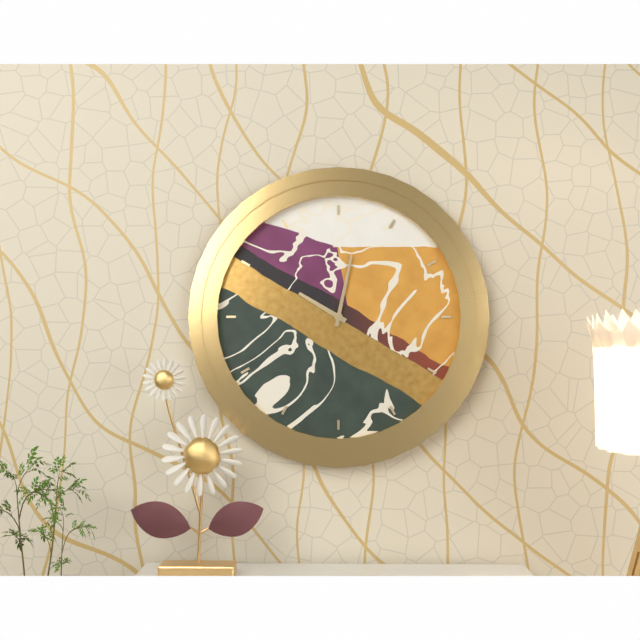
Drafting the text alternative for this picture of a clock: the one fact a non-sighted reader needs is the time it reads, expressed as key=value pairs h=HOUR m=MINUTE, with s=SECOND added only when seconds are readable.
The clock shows h=10 m=2
